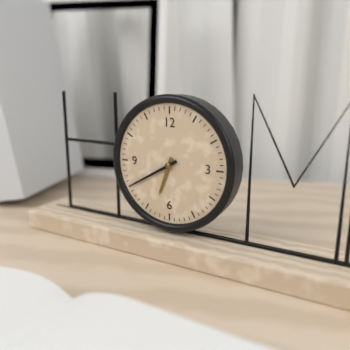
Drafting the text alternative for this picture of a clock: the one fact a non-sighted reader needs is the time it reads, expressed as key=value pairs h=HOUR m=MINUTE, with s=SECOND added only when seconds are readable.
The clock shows h=6 m=40
